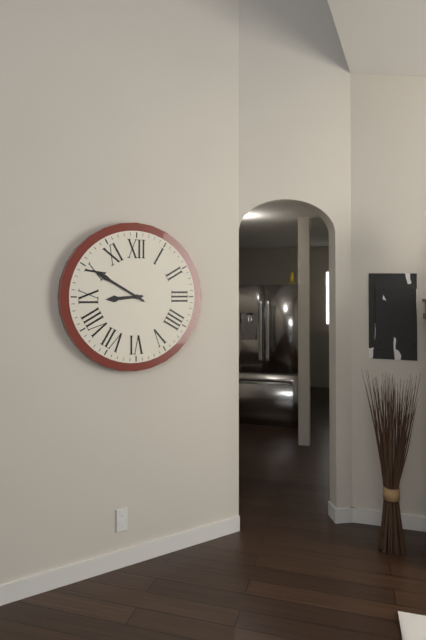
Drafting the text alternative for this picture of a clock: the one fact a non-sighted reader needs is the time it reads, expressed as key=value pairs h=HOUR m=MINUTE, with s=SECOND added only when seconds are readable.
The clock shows h=8 m=50
